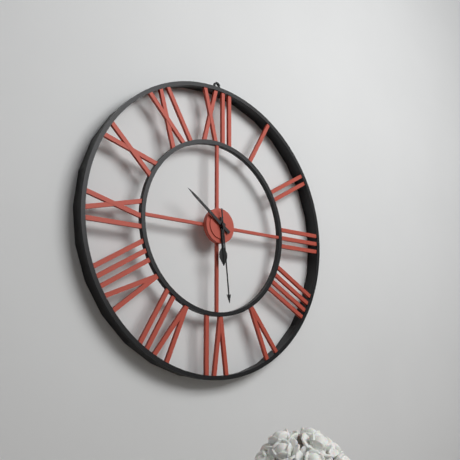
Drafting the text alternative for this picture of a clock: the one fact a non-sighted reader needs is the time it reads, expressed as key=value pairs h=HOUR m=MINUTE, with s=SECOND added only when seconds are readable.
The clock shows h=5 m=51 s=29
